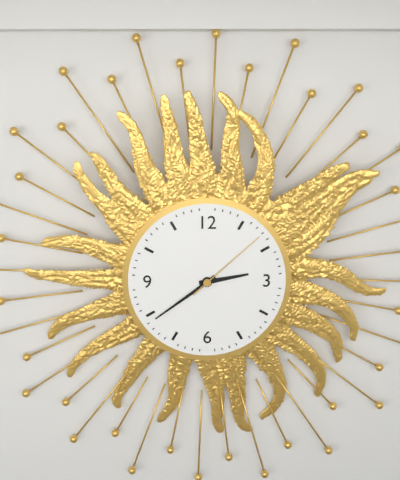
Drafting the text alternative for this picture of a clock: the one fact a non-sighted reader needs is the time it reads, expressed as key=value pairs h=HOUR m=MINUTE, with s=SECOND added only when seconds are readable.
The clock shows h=2 m=39 s=8
